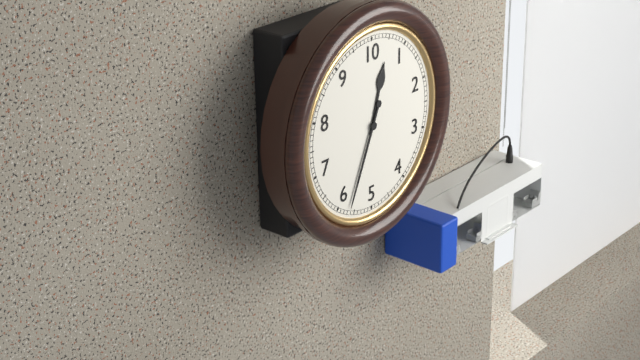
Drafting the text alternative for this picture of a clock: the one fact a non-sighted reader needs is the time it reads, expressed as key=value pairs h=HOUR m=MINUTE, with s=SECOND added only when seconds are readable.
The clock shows h=12 m=34
